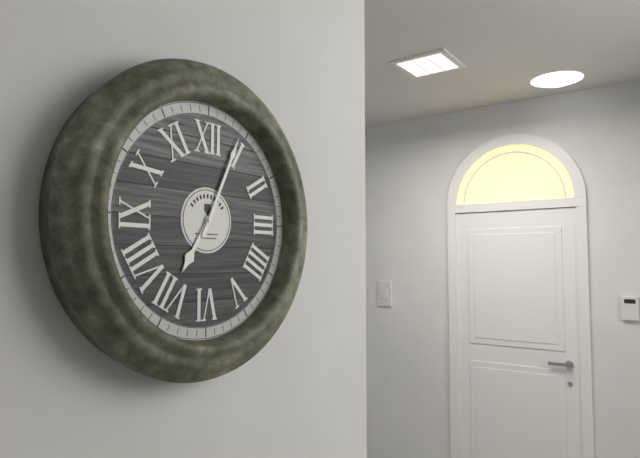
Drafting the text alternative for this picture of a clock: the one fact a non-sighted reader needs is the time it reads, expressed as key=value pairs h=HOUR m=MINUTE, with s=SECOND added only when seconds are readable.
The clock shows h=7 m=4
